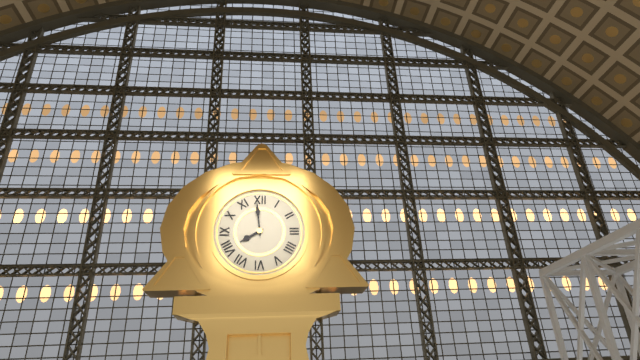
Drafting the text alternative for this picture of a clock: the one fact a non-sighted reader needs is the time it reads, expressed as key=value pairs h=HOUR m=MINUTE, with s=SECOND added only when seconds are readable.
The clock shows h=7 m=59
